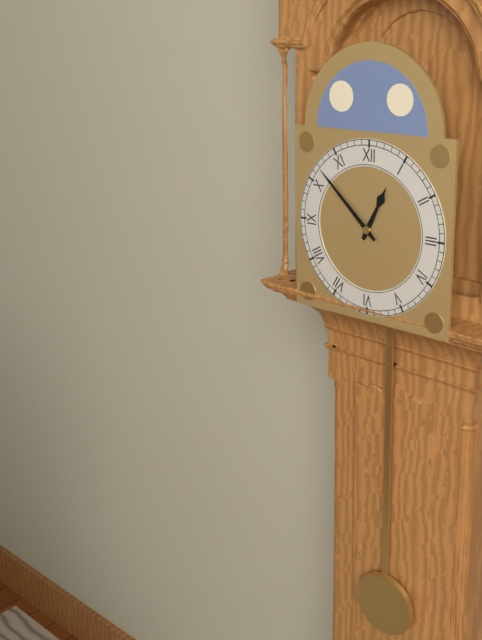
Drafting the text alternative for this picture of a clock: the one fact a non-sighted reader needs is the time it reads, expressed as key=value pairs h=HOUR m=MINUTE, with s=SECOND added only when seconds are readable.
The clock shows h=12 m=52
